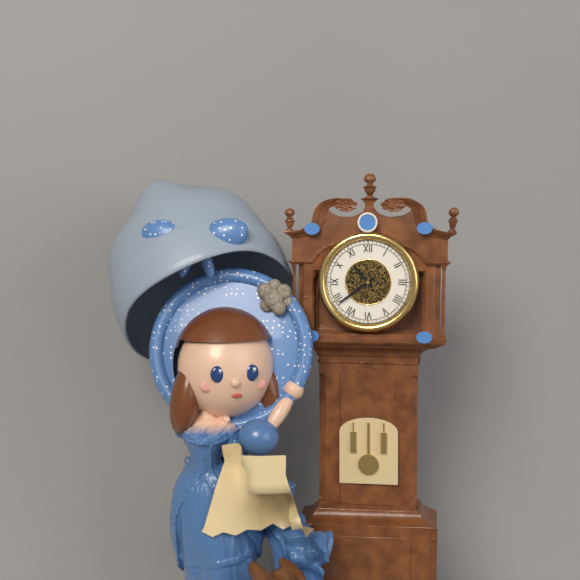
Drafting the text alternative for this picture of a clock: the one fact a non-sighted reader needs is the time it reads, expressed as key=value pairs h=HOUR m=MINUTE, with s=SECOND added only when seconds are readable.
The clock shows h=10 m=39
